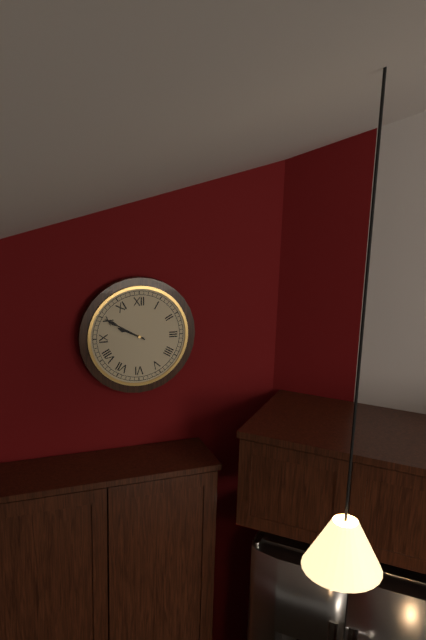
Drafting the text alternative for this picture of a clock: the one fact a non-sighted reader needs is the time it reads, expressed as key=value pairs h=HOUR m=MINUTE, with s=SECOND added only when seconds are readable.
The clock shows h=9 m=50
